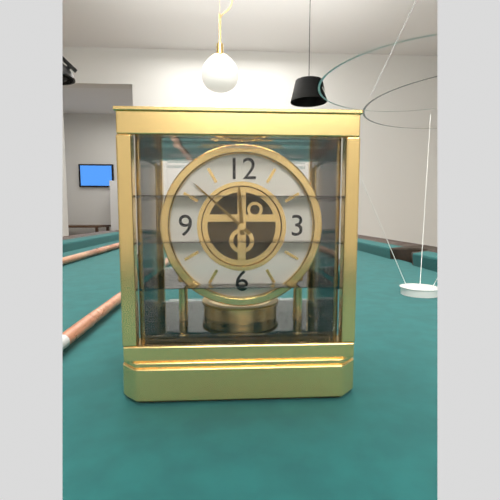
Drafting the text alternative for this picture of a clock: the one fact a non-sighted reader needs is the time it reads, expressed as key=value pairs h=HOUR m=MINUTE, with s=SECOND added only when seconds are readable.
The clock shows h=11 m=52
